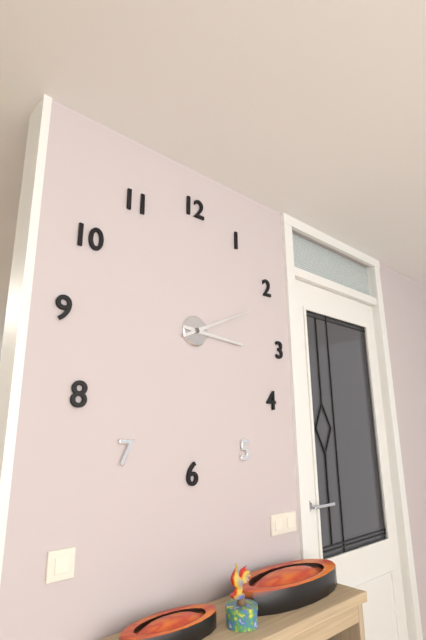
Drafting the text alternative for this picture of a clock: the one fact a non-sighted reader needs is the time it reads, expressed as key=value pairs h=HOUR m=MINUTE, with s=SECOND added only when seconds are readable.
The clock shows h=3 m=11
